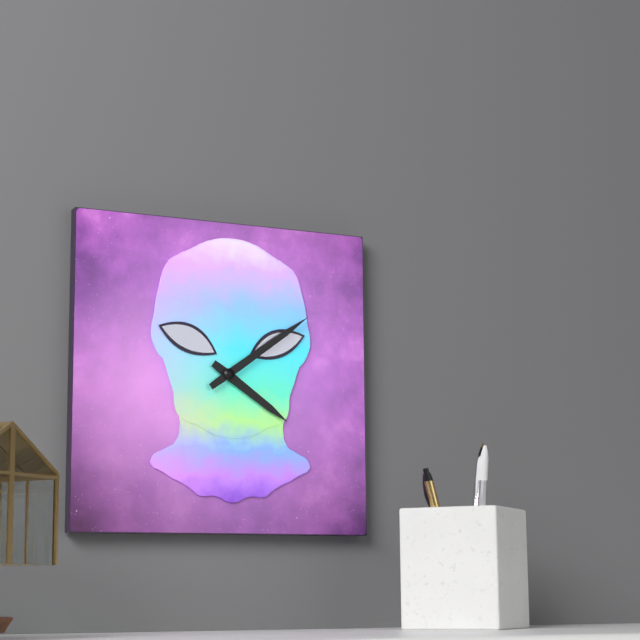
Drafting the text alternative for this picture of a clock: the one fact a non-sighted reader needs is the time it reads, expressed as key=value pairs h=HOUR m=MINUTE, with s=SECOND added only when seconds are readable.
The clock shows h=4 m=9
